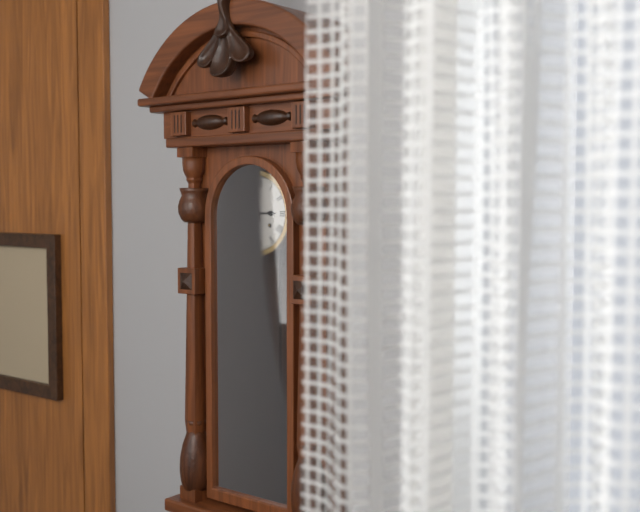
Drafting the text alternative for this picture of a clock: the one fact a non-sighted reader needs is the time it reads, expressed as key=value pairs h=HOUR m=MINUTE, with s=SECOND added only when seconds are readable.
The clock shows h=2 m=58
